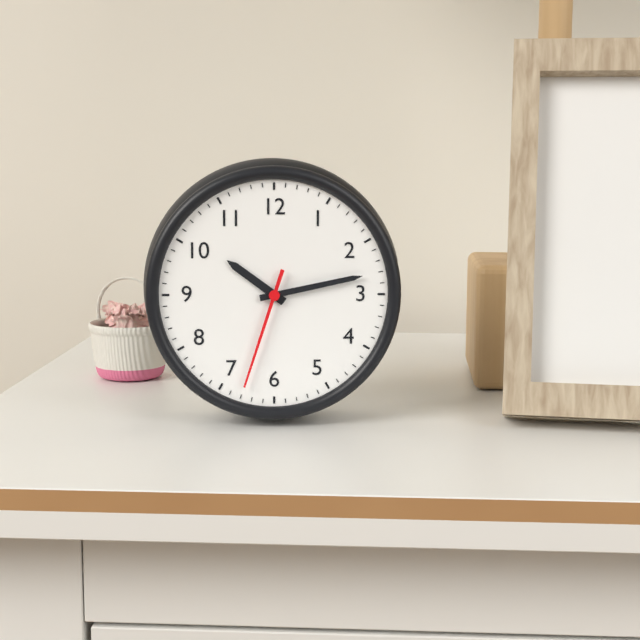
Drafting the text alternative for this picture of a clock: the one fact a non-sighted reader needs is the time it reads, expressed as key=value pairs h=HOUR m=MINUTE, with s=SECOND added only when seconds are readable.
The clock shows h=10 m=13 s=33
